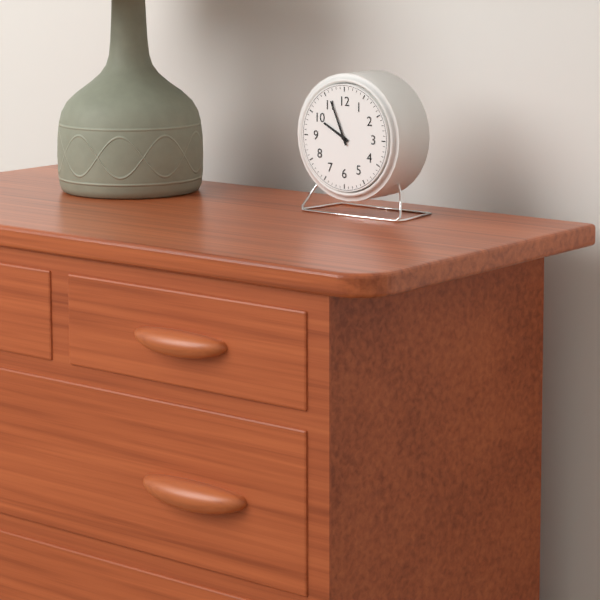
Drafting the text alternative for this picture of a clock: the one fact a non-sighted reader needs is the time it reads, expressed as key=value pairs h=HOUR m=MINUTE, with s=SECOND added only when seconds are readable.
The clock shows h=9 m=56
